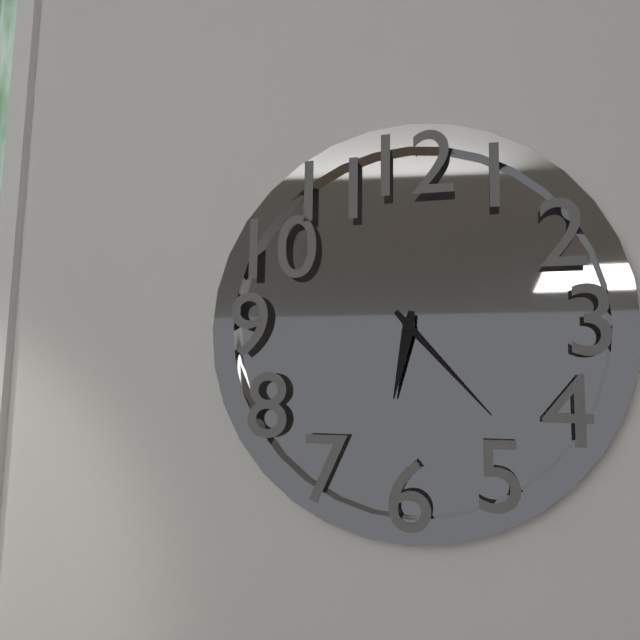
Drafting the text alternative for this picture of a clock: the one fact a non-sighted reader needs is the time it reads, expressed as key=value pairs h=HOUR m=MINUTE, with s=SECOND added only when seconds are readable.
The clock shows h=6 m=23
